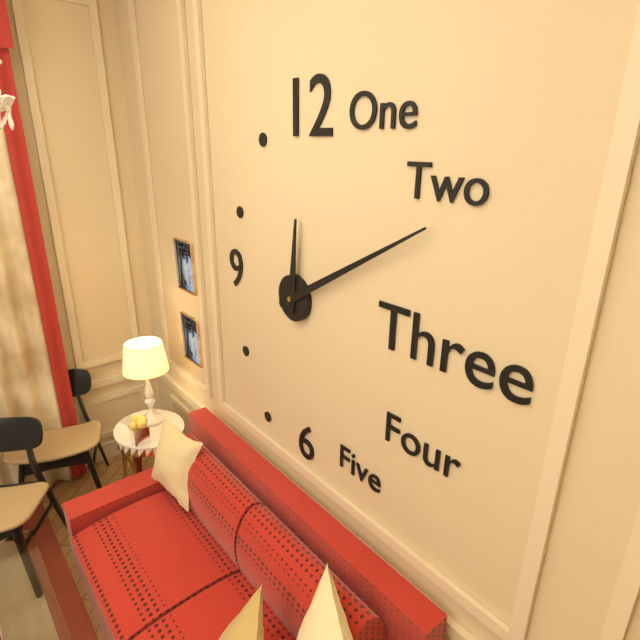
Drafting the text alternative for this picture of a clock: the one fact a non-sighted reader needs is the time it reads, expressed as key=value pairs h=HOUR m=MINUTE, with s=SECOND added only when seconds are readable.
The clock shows h=12 m=10
